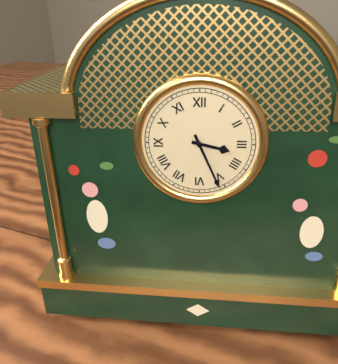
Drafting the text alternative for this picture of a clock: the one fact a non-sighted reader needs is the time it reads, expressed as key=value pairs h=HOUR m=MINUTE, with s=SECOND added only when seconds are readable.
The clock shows h=3 m=26
